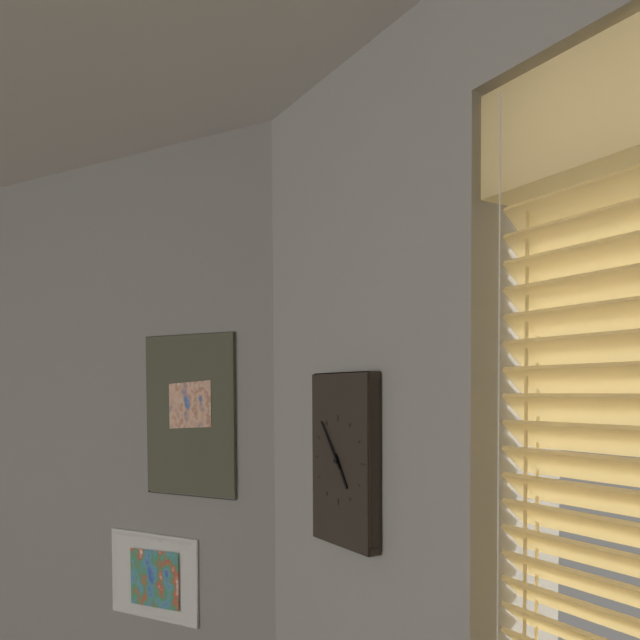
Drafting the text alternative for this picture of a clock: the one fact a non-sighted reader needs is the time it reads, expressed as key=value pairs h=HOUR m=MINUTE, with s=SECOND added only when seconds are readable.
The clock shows h=4 m=54
